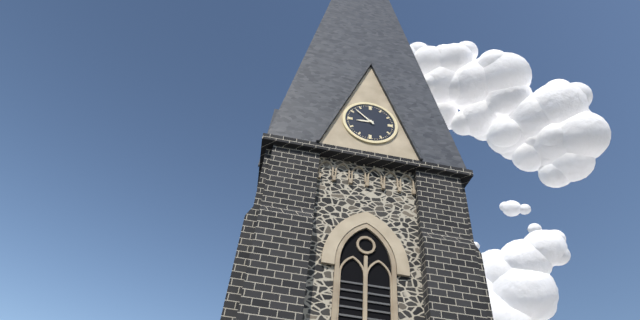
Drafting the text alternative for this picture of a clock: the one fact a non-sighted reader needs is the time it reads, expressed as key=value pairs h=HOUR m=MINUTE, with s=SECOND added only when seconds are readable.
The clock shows h=8 m=52
